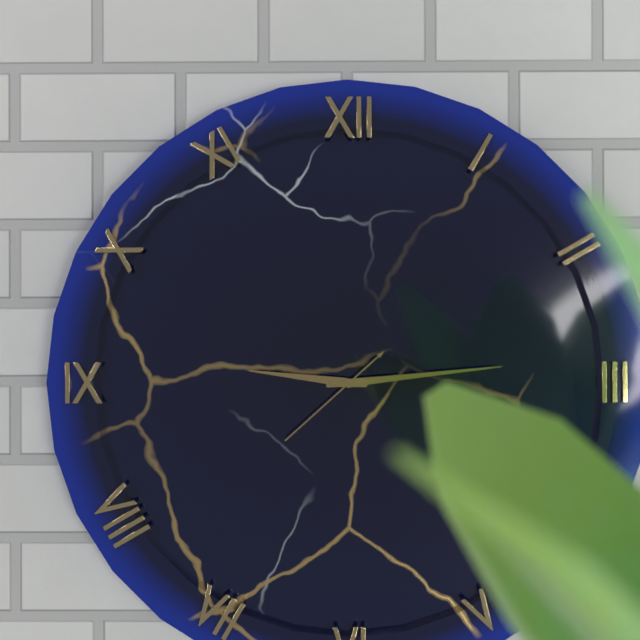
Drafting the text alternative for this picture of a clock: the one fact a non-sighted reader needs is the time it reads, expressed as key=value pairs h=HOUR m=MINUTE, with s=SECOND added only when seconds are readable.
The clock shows h=9 m=14 s=38
